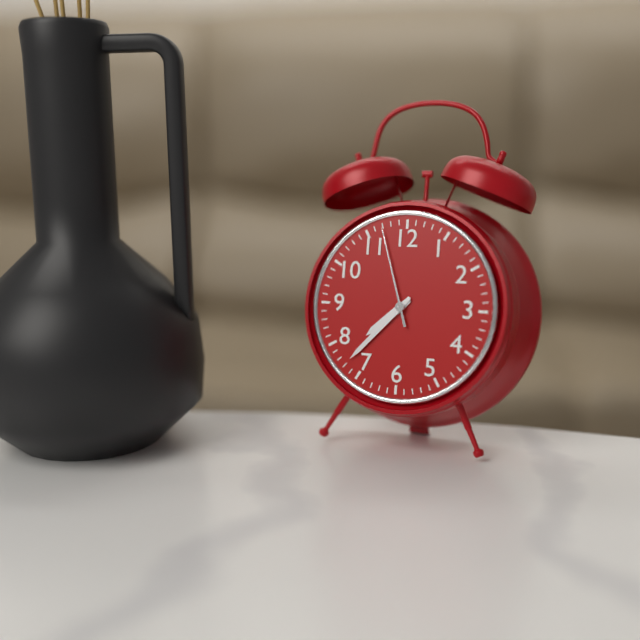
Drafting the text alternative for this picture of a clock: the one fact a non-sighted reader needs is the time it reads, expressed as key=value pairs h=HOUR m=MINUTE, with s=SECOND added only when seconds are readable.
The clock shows h=7 m=37 s=57
